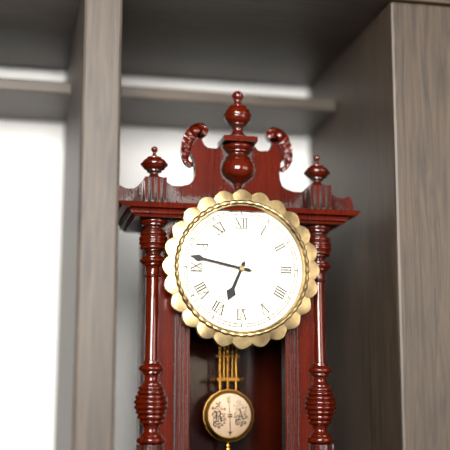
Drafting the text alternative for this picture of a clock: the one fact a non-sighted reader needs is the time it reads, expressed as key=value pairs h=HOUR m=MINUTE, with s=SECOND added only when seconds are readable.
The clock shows h=6 m=47
